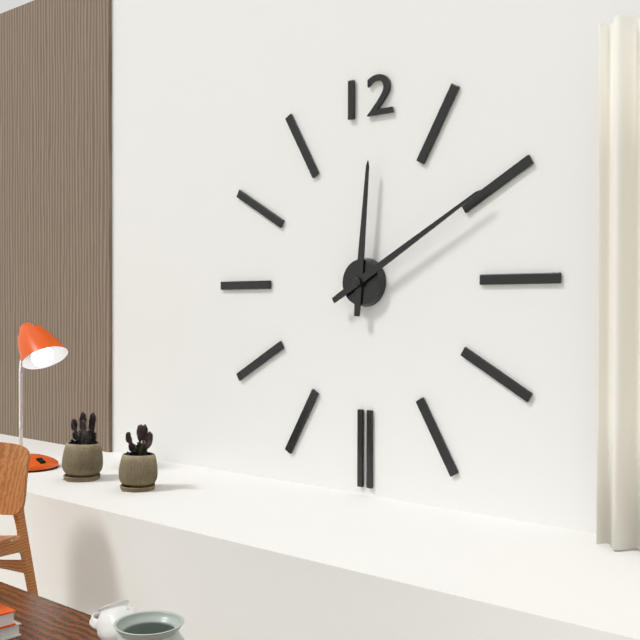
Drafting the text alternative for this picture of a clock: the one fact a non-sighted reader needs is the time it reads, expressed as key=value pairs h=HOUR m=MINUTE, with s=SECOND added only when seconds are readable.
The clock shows h=12 m=10
